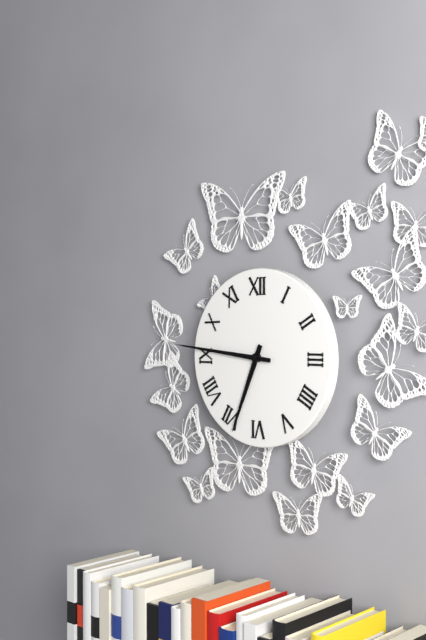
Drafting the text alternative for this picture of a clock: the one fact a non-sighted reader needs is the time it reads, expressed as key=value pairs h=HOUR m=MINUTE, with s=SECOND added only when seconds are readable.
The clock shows h=6 m=46
